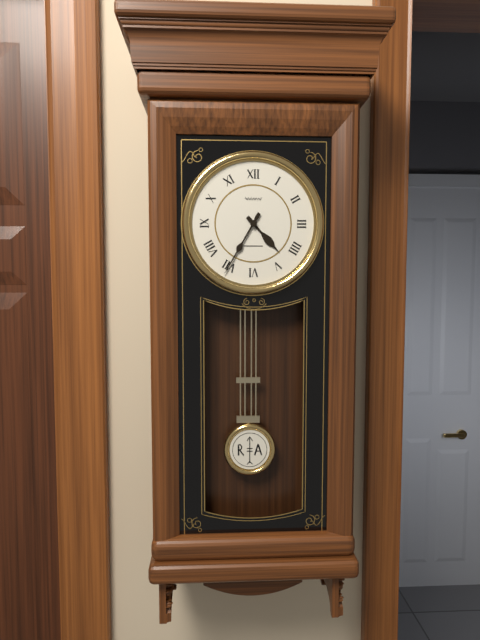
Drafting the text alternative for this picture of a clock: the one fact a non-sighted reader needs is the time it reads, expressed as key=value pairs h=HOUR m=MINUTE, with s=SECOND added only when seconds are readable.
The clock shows h=4 m=35
